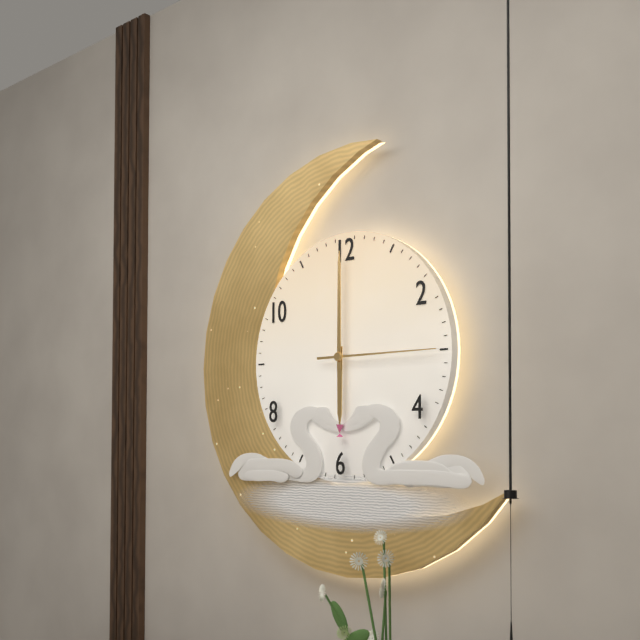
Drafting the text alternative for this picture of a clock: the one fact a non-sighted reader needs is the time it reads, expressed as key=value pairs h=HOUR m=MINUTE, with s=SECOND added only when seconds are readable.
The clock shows h=6 m=0 s=15
